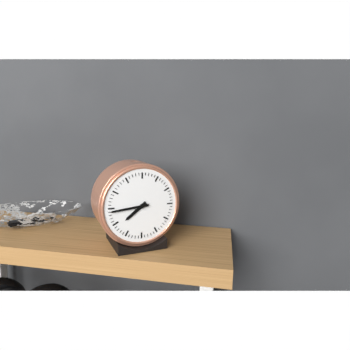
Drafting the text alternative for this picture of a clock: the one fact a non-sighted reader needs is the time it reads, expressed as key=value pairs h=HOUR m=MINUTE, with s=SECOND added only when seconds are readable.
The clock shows h=7 m=44
